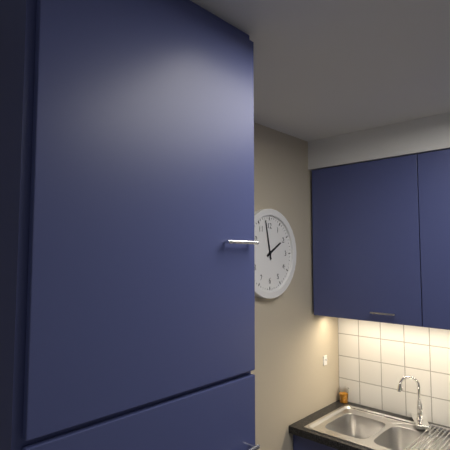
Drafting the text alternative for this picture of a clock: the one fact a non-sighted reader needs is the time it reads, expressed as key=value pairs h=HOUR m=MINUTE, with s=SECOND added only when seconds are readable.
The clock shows h=1 m=58
